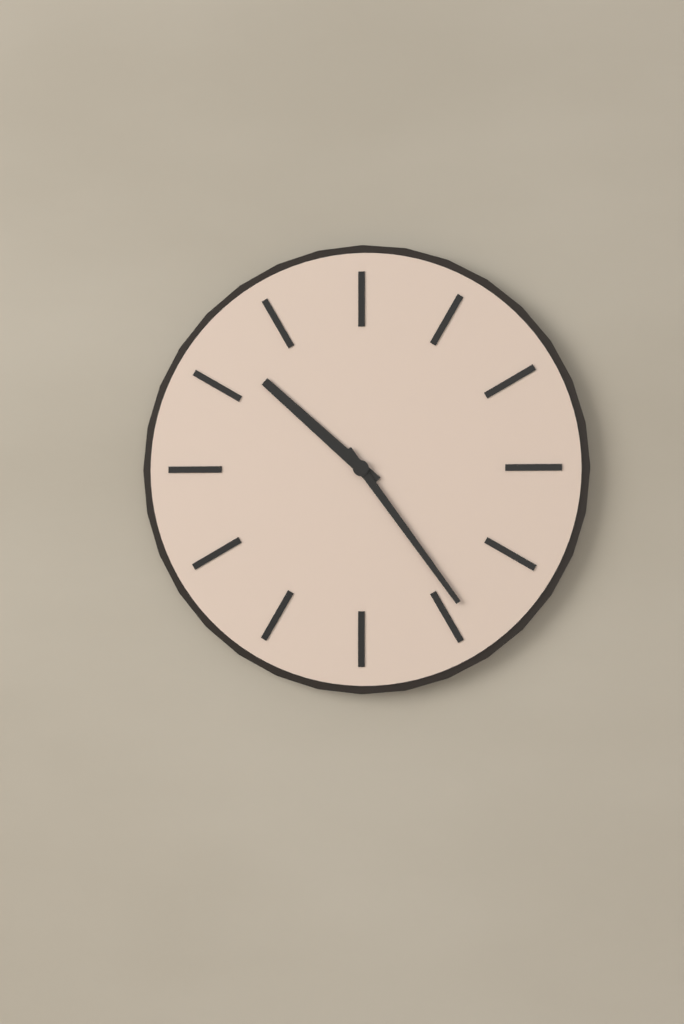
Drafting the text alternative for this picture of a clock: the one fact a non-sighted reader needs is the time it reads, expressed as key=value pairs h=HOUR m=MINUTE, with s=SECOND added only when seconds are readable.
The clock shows h=10 m=24
